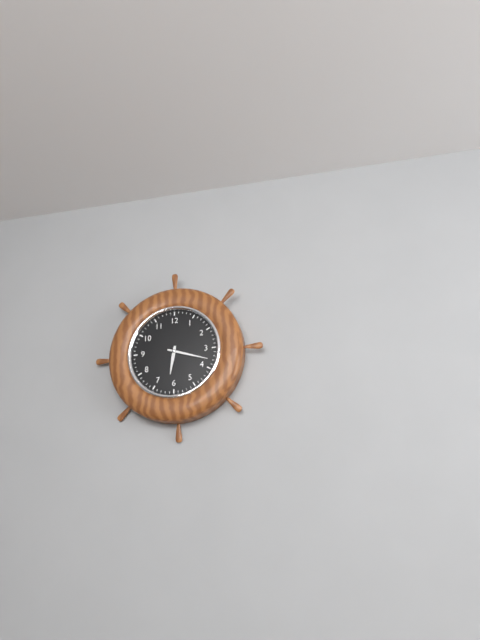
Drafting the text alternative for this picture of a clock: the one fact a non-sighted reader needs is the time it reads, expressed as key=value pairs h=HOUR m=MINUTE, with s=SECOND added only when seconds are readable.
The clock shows h=6 m=18
